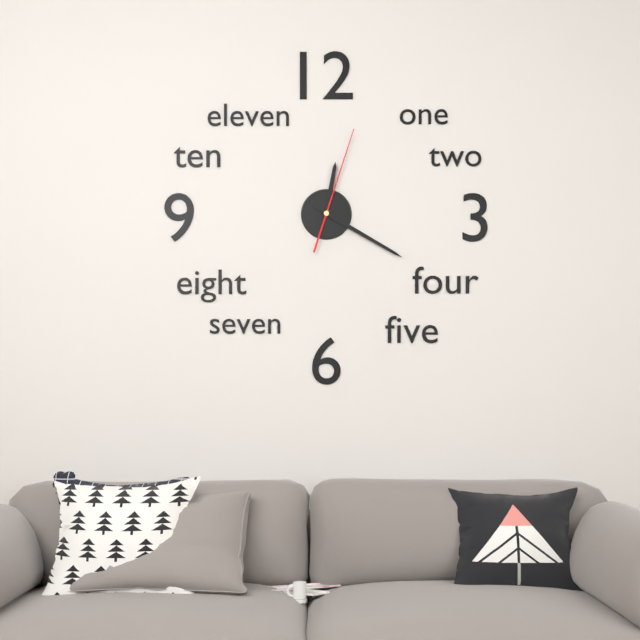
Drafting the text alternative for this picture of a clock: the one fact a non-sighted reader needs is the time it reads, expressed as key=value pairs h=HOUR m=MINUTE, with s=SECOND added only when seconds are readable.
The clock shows h=12 m=20 s=3
